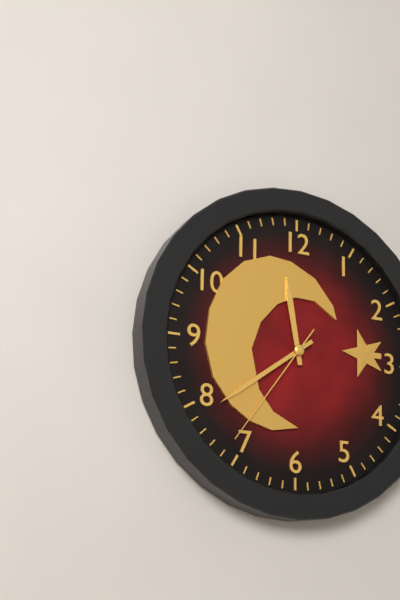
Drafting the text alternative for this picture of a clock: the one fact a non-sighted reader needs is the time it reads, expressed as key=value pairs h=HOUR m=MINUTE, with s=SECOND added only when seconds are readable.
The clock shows h=11 m=39 s=36
